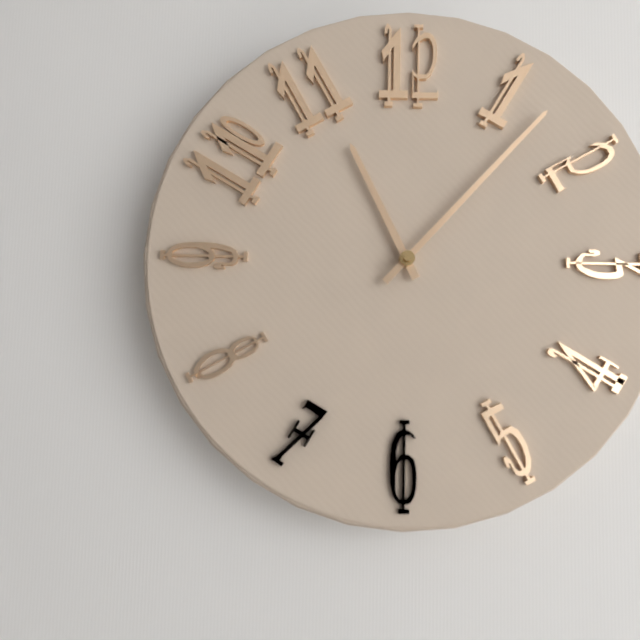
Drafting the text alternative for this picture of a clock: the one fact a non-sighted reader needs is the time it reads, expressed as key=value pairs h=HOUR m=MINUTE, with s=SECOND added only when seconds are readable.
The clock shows h=11 m=7
